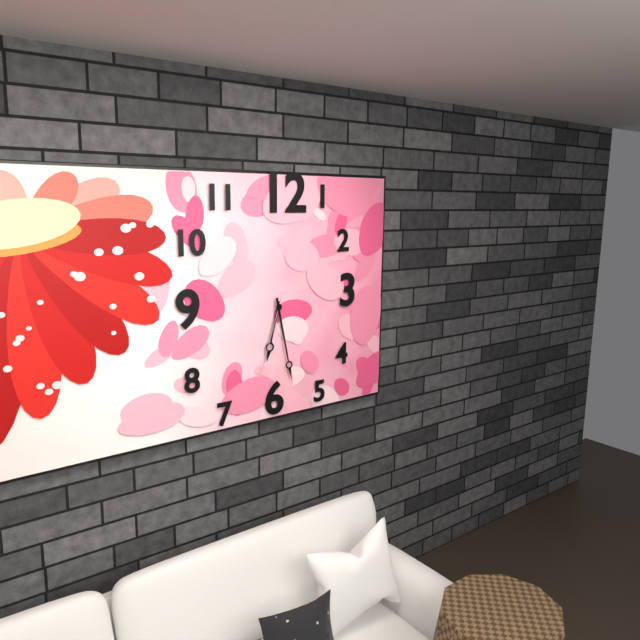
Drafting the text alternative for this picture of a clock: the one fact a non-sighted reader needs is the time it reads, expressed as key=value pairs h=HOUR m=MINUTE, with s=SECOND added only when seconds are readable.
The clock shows h=6 m=28 s=33
